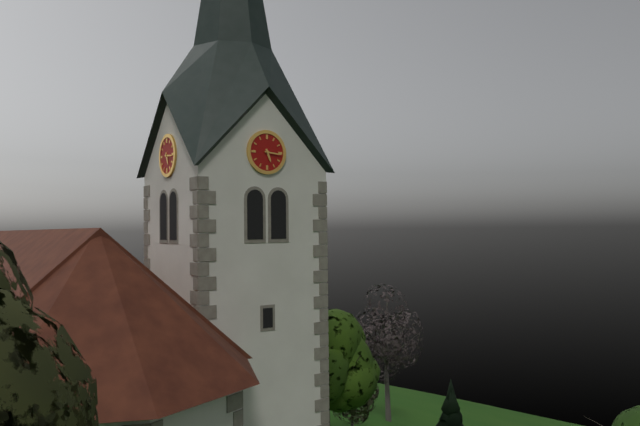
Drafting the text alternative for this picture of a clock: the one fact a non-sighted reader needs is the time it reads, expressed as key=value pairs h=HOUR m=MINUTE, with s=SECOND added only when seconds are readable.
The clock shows h=5 m=16
